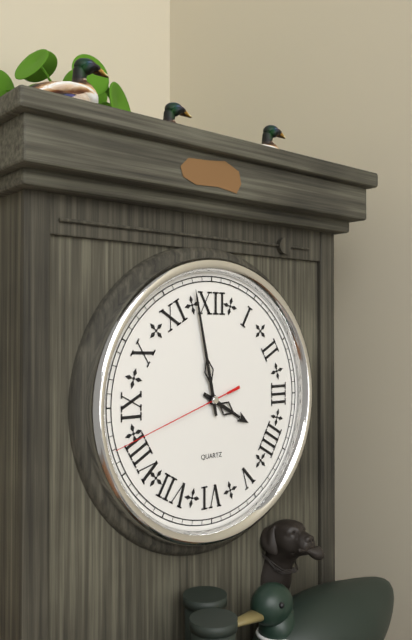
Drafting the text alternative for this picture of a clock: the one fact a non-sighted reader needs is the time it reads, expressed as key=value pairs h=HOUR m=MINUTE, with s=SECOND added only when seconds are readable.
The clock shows h=3 m=58 s=42
